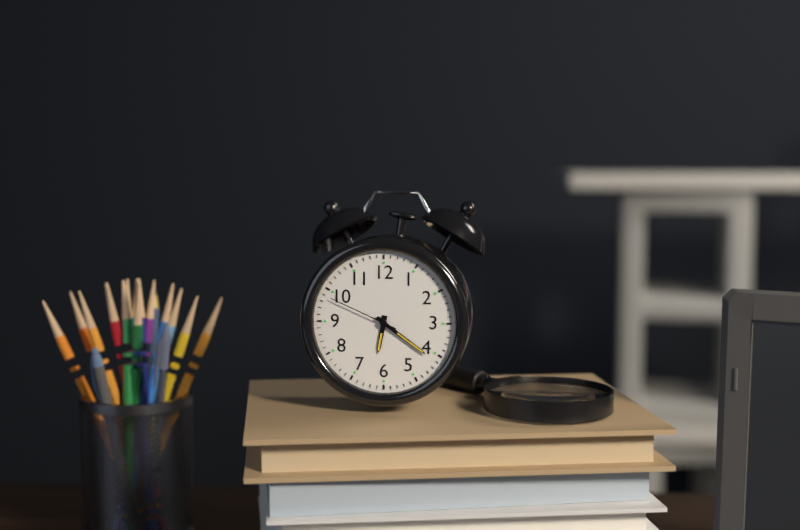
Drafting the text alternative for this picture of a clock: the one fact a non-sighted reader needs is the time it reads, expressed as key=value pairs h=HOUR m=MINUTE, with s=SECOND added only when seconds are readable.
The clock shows h=6 m=21 s=49
